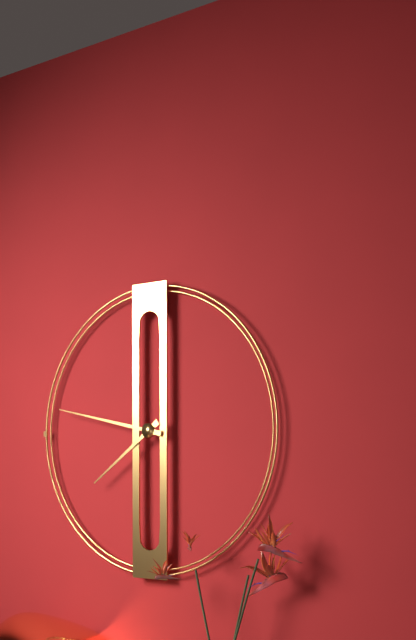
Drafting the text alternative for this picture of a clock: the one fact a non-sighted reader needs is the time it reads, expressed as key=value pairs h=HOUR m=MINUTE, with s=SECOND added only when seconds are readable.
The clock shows h=7 m=47
